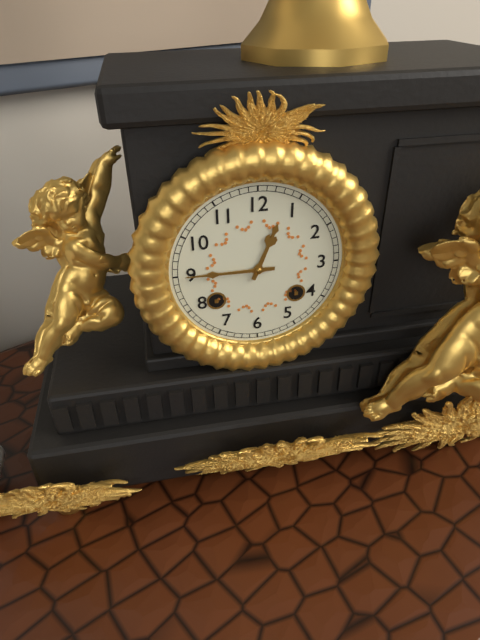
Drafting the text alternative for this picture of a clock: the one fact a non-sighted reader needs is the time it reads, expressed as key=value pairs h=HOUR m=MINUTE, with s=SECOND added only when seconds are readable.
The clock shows h=12 m=45
